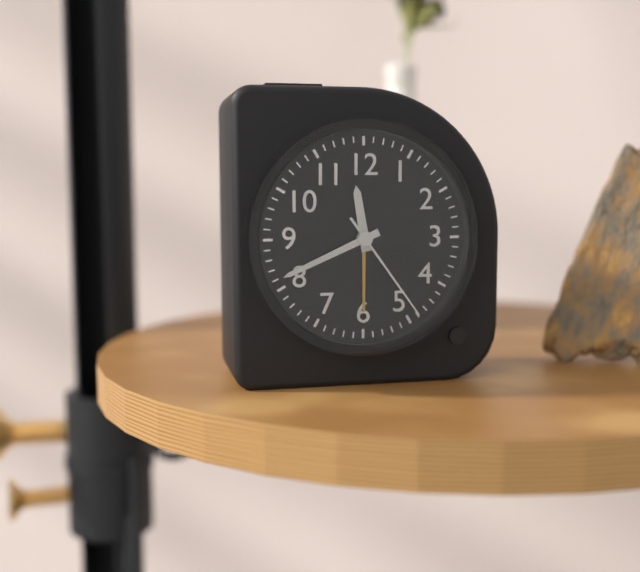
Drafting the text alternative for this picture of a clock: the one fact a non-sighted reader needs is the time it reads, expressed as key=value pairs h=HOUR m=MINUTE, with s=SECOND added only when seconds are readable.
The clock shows h=11 m=41 s=24
